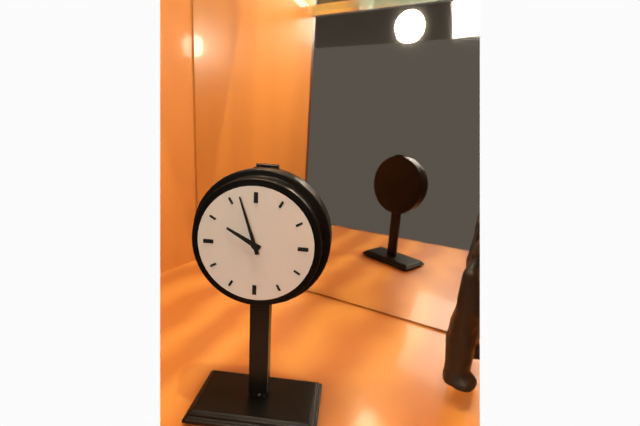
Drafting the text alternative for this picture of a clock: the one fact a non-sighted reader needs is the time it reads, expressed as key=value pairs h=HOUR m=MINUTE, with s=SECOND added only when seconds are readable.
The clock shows h=9 m=57
